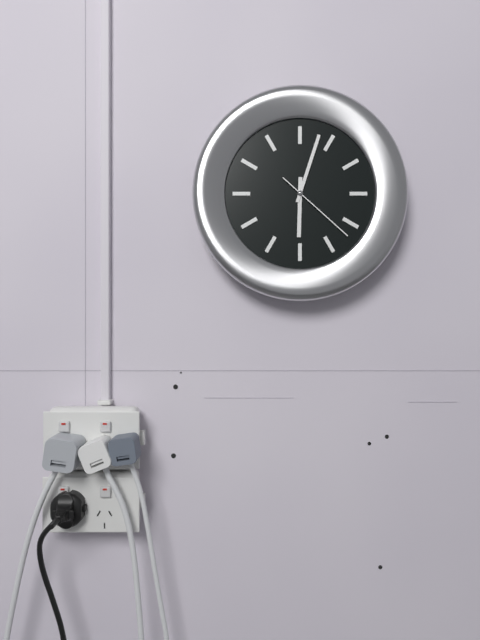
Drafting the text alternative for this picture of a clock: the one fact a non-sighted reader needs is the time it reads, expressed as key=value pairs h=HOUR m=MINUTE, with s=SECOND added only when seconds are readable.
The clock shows h=6 m=3 s=22
